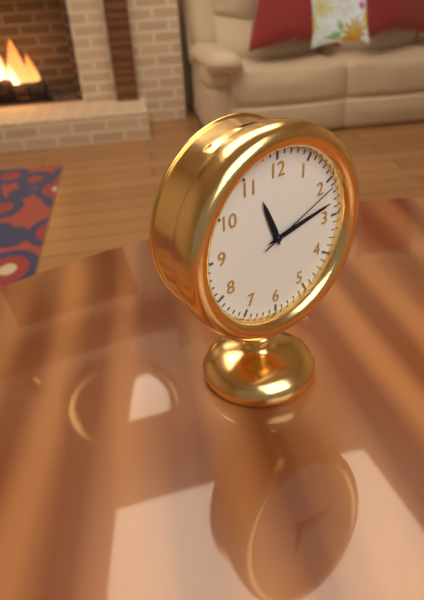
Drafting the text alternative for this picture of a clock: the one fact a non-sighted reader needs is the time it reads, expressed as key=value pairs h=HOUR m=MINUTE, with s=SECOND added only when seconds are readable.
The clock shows h=11 m=13 s=11
